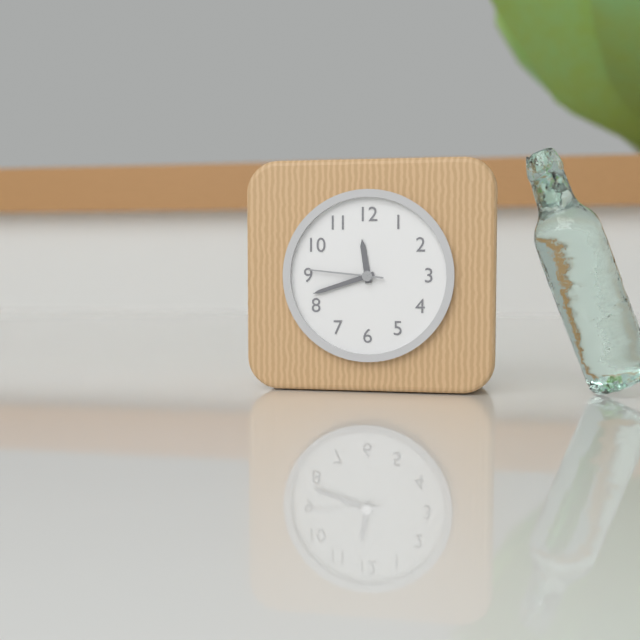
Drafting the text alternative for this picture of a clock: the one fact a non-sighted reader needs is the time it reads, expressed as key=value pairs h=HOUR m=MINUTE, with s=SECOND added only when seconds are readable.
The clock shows h=11 m=42 s=46
